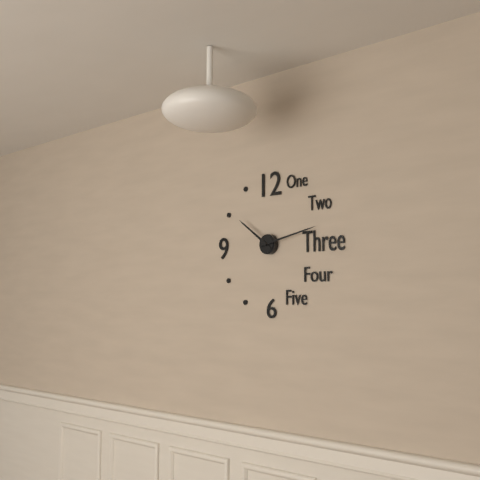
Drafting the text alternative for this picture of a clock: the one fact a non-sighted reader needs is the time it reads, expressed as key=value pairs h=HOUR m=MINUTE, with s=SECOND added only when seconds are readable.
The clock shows h=10 m=13
